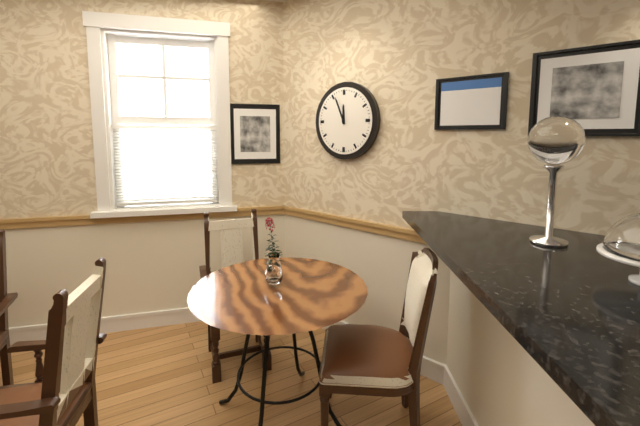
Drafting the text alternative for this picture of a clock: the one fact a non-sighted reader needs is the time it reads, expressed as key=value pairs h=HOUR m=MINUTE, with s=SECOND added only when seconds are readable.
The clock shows h=11 m=56
